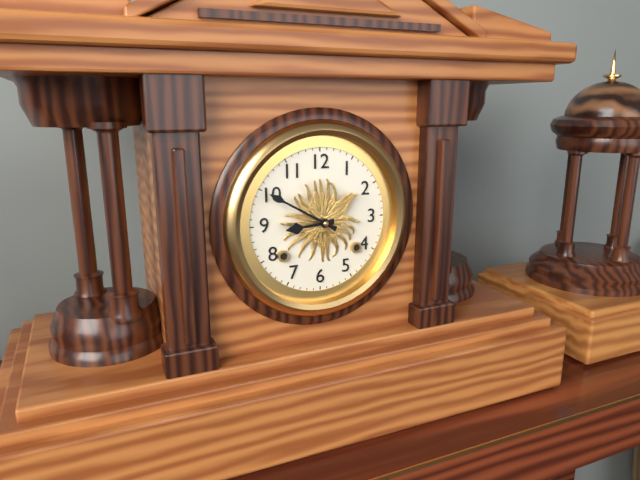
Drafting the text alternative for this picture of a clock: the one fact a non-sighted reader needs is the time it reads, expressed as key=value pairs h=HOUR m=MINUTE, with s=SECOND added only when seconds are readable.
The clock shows h=8 m=50
